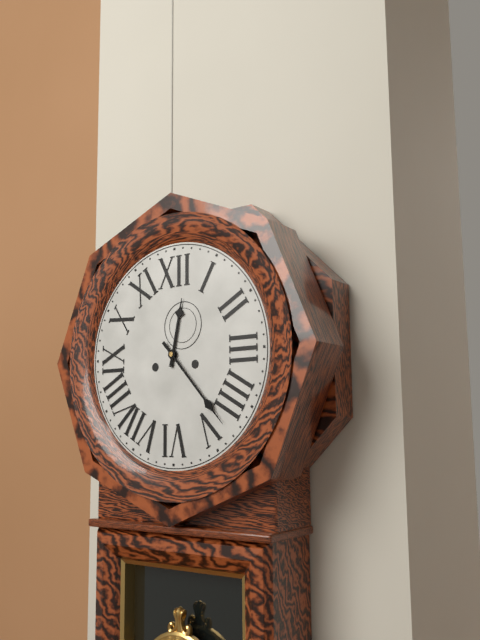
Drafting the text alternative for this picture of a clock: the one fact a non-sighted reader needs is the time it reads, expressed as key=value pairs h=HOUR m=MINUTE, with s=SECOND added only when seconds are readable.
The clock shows h=12 m=23
